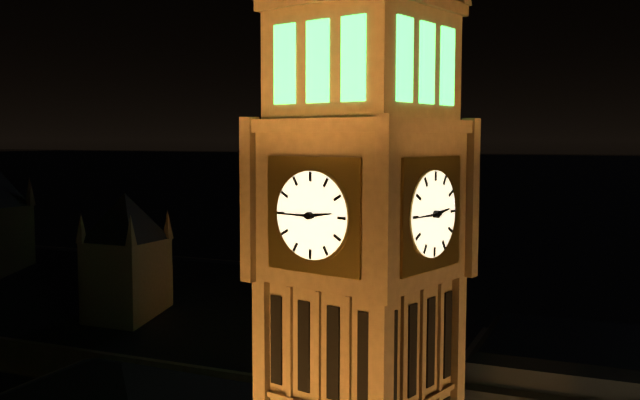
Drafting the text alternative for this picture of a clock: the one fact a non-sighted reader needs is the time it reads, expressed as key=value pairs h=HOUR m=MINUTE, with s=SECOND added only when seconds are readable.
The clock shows h=2 m=45
